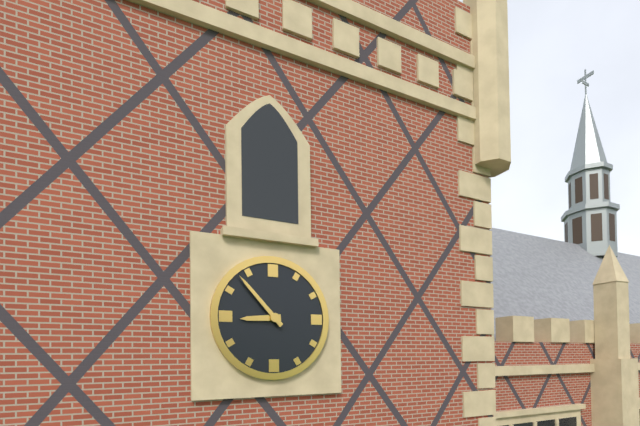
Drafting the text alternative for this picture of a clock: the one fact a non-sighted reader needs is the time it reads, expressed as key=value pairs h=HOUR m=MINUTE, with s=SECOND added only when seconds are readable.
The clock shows h=8 m=53
